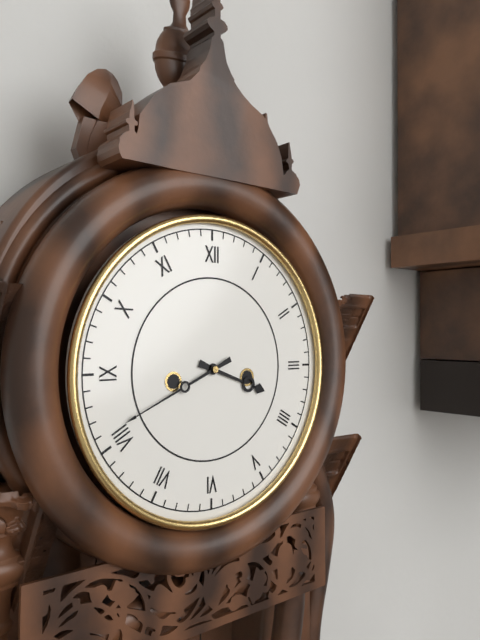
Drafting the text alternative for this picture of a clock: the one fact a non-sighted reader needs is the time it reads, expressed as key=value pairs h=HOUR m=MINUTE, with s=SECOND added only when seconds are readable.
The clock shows h=3 m=41
